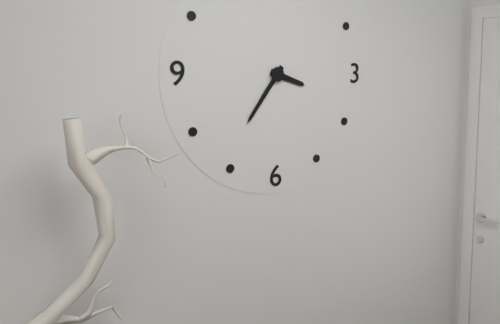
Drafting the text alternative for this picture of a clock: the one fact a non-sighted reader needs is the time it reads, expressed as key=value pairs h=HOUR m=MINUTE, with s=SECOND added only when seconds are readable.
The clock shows h=3 m=36
